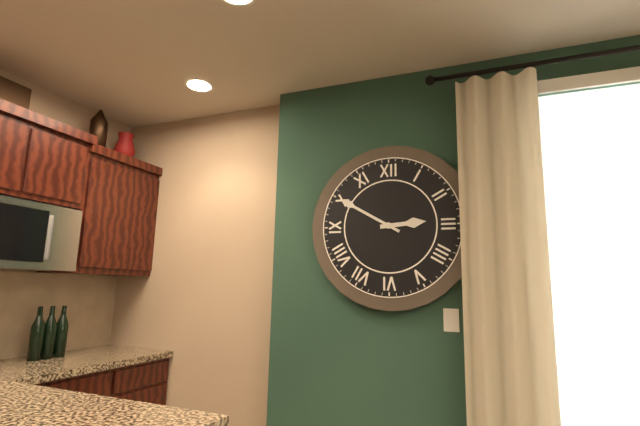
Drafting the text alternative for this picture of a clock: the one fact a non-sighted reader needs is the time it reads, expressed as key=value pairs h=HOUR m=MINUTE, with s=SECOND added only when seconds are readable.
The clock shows h=2 m=50
